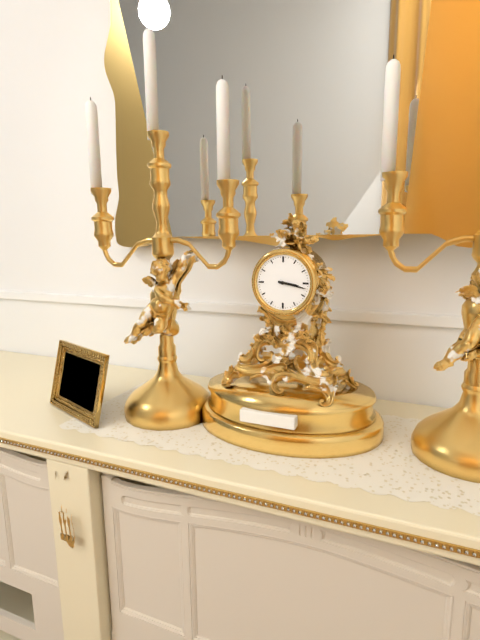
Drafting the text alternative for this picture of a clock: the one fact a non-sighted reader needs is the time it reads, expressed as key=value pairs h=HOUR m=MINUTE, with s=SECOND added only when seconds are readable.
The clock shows h=3 m=17
